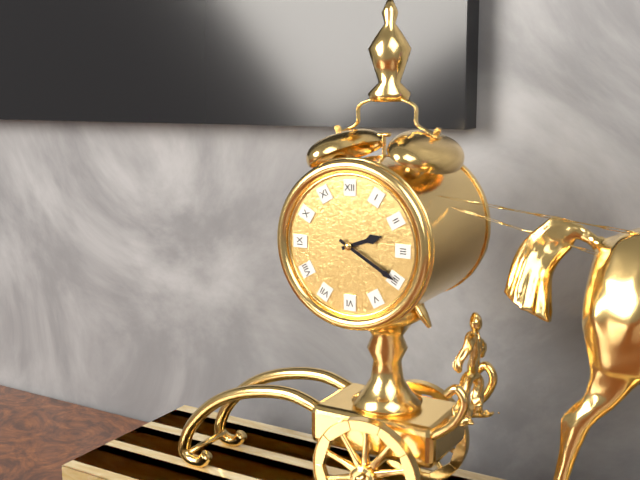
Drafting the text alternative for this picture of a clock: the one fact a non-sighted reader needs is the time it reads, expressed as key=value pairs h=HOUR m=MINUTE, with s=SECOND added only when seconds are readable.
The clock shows h=2 m=20
